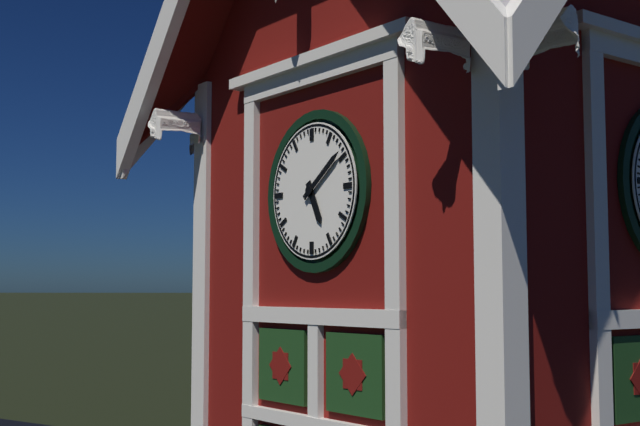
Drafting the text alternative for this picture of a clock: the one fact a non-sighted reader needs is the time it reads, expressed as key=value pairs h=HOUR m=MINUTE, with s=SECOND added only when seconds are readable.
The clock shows h=5 m=9
